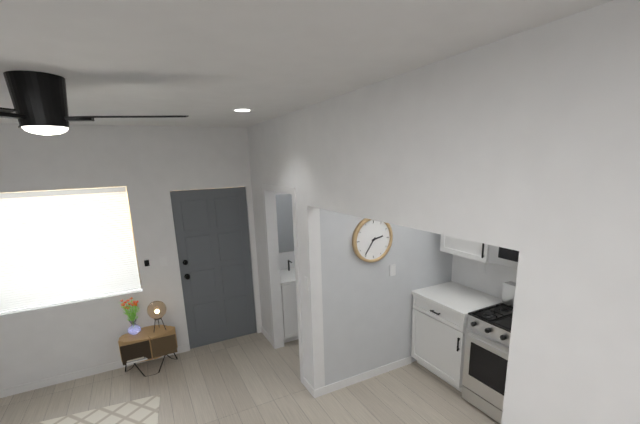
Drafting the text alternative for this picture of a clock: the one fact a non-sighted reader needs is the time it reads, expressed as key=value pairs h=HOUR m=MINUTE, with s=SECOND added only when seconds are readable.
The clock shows h=2 m=36
